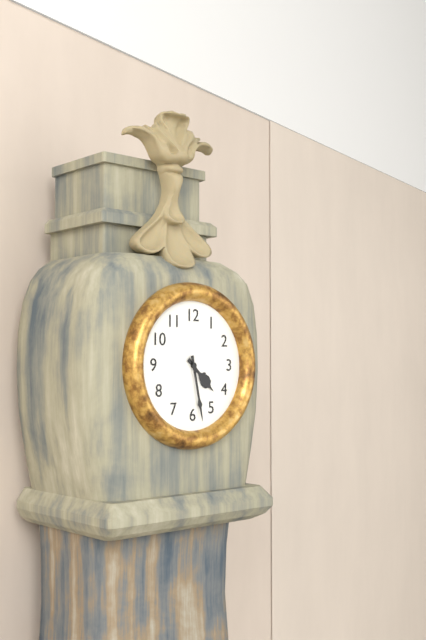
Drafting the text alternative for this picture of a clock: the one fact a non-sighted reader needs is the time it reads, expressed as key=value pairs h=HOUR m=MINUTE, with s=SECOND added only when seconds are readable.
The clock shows h=4 m=28
